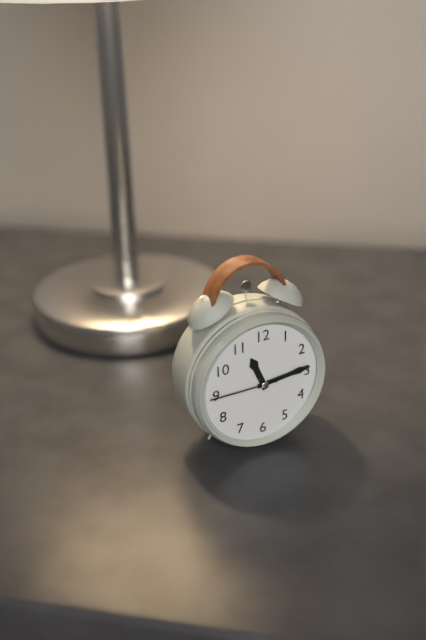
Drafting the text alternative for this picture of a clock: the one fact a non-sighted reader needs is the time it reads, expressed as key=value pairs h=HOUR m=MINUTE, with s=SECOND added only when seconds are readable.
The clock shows h=11 m=14 s=45
